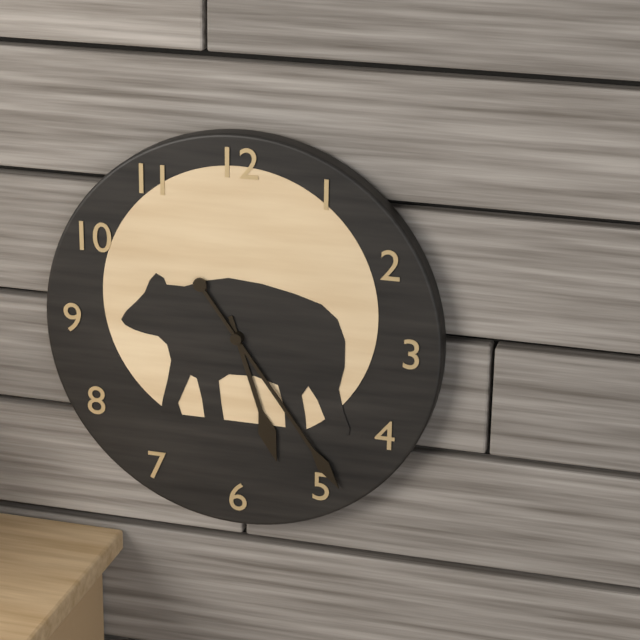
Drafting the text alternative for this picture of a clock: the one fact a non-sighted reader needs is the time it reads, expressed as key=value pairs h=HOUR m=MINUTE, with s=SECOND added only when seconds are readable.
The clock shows h=5 m=24
